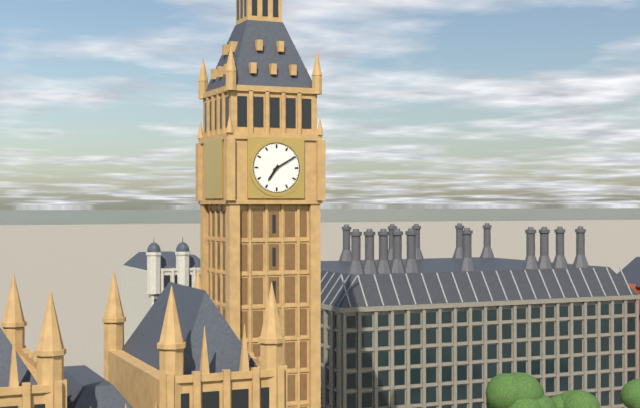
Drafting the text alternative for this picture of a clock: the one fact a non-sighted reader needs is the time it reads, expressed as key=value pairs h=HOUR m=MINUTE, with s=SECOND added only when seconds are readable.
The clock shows h=7 m=10
